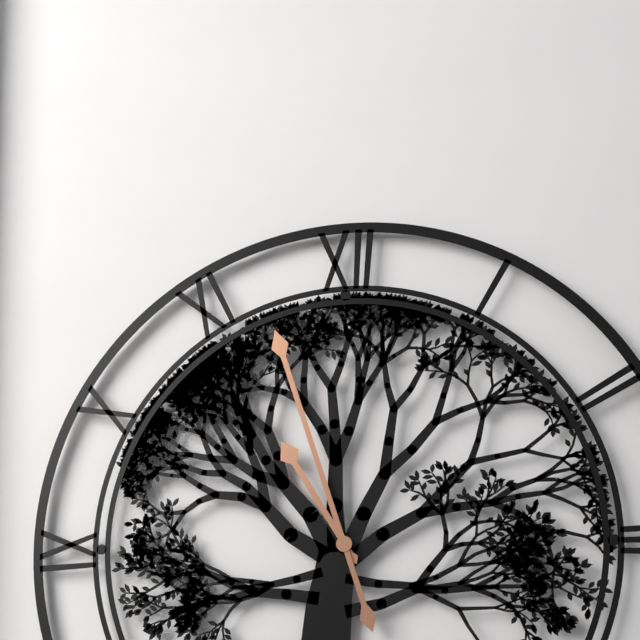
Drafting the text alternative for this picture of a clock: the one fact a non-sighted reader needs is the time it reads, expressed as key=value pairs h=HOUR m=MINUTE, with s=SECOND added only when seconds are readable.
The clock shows h=10 m=57
